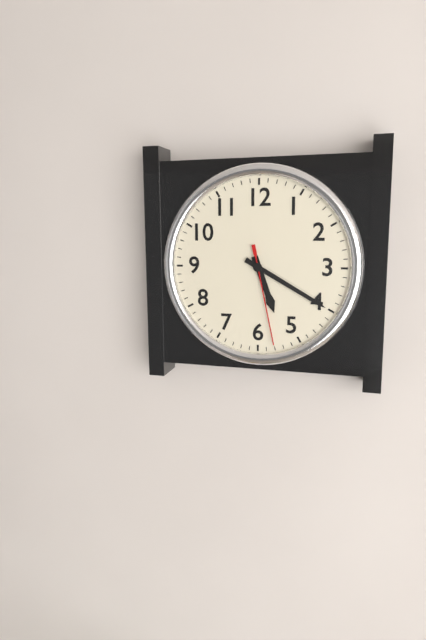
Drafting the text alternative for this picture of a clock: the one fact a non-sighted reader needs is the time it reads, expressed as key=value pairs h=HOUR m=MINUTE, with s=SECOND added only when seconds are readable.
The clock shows h=5 m=20 s=28
